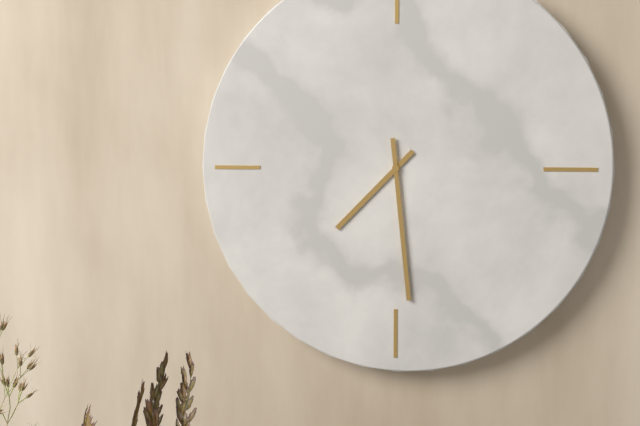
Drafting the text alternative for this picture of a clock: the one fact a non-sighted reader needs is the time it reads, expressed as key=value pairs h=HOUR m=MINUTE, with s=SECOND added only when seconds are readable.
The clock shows h=7 m=29
